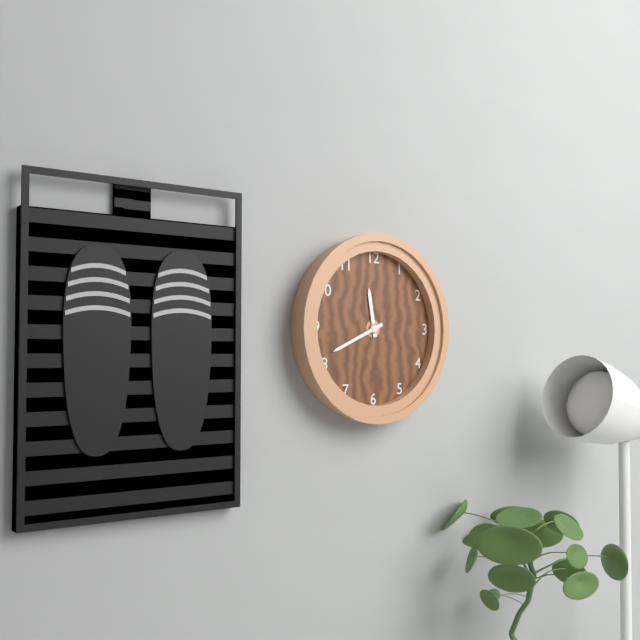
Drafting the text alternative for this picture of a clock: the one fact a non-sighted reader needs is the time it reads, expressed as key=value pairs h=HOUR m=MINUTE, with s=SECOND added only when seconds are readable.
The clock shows h=11 m=41
